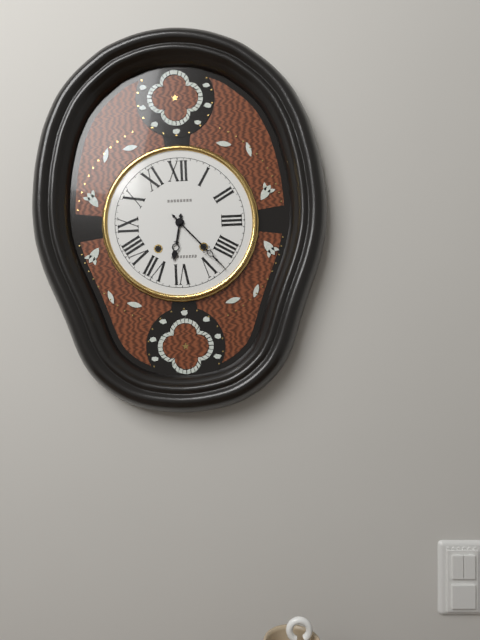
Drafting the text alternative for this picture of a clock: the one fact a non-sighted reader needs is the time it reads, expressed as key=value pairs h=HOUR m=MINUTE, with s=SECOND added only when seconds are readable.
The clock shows h=6 m=23
